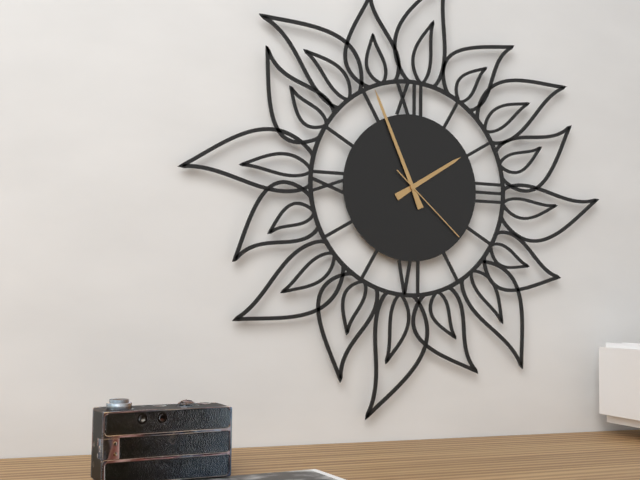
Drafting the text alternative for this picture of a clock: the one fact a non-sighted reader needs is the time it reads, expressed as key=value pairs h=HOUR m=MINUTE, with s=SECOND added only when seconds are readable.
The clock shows h=1 m=56 s=22
